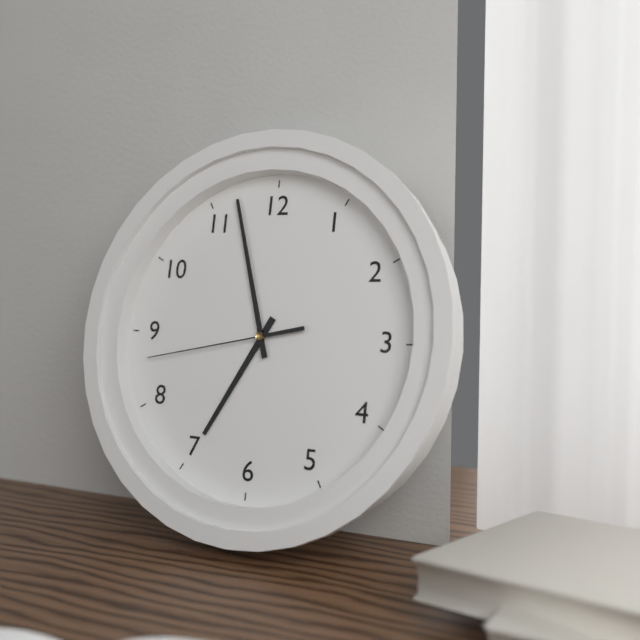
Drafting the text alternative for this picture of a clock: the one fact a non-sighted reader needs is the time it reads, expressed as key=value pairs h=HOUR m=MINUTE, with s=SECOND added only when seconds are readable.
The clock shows h=6 m=57 s=43
